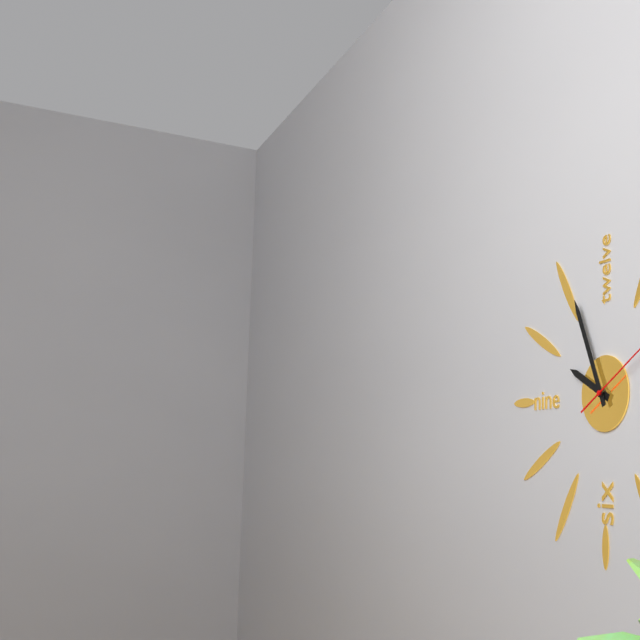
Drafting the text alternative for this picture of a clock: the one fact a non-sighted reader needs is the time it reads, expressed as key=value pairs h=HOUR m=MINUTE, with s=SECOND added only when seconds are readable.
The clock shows h=9 m=56
